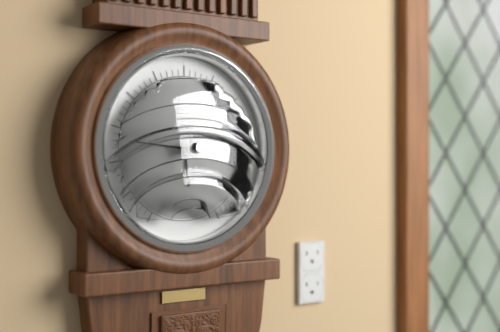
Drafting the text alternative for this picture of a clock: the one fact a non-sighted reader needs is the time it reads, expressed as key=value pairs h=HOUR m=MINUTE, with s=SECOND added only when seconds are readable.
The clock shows h=5 m=46
